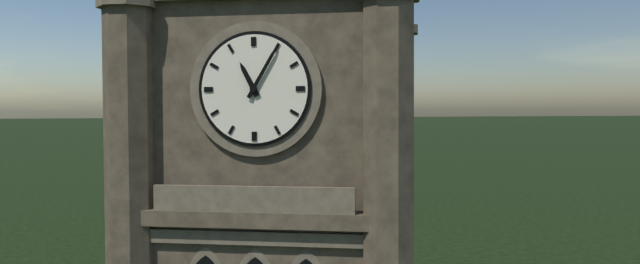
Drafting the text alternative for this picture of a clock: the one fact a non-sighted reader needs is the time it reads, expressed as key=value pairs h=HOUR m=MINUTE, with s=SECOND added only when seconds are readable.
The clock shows h=11 m=5
